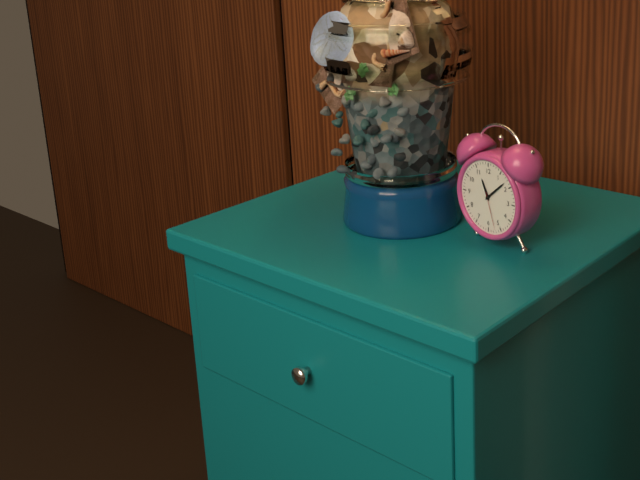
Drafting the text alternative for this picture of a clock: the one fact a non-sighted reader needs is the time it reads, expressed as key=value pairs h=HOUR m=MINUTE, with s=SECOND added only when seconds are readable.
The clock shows h=11 m=8
